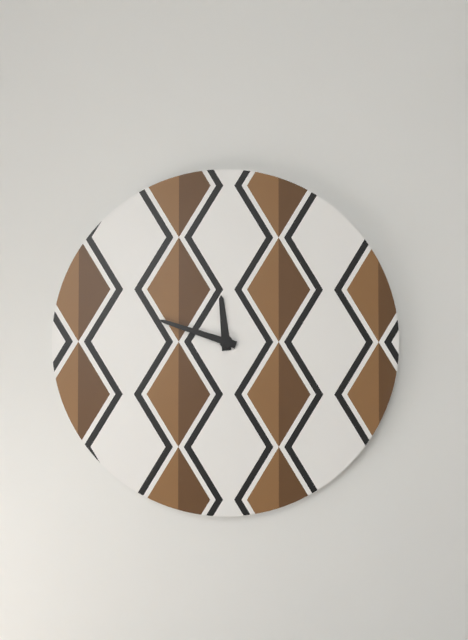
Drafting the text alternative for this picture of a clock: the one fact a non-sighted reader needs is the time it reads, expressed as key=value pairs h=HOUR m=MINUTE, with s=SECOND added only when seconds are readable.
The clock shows h=11 m=48
